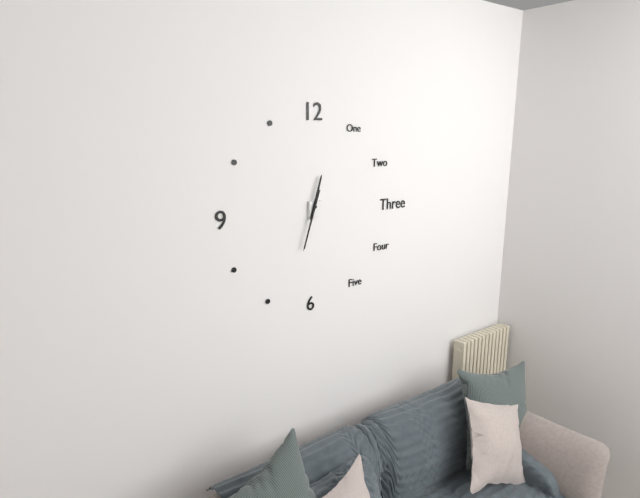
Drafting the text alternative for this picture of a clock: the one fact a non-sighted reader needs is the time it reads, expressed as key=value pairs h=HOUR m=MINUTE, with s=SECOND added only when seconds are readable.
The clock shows h=12 m=33
